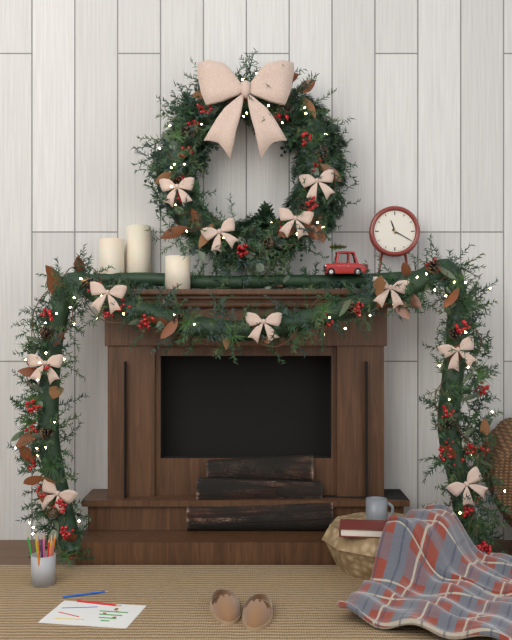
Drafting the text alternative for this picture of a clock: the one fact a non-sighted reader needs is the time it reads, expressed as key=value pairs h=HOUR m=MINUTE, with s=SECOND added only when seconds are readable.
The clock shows h=11 m=20
